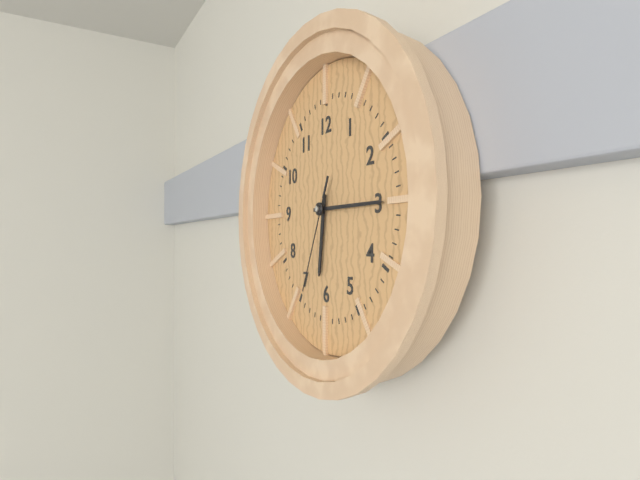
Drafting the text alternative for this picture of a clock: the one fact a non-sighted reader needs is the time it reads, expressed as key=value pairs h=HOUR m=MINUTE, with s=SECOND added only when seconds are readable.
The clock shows h=6 m=15 s=34
